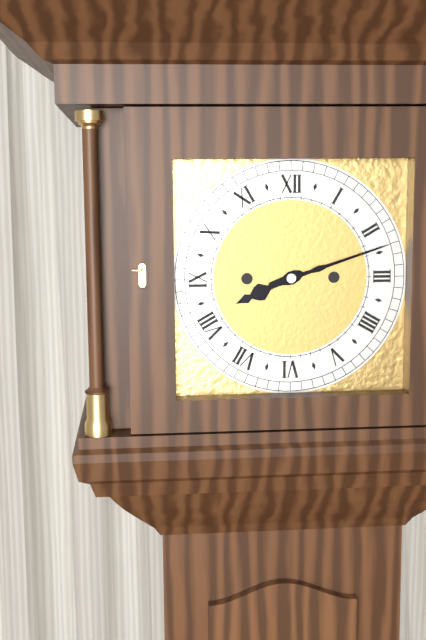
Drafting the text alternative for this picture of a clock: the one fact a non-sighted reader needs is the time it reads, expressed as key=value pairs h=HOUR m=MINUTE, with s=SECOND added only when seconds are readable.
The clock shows h=8 m=12
